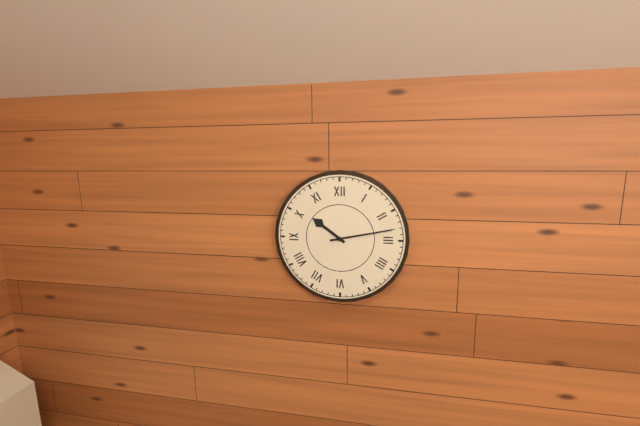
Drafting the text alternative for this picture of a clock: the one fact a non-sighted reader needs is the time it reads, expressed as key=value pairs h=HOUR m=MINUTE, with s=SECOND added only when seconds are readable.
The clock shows h=10 m=13
